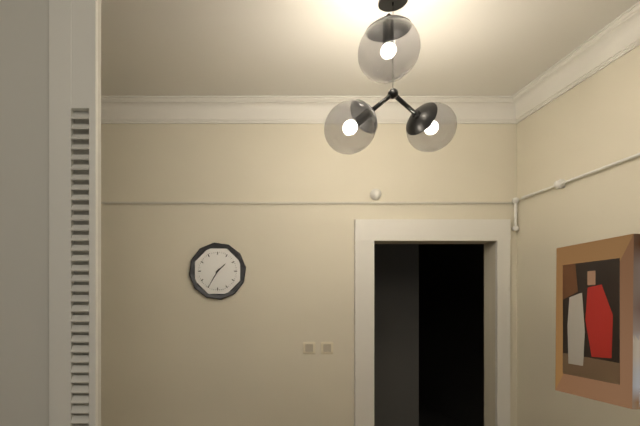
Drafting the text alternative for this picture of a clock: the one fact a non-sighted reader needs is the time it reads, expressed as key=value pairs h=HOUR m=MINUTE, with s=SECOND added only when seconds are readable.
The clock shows h=1 m=35
